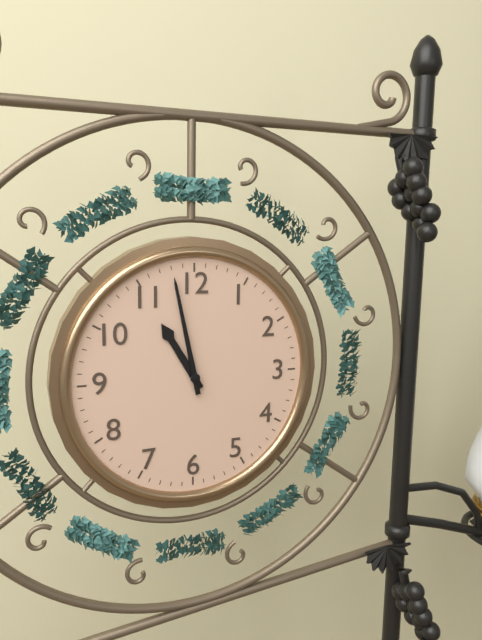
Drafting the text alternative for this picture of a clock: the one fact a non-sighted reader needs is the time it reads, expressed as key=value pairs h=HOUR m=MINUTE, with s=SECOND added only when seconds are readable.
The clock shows h=10 m=58
